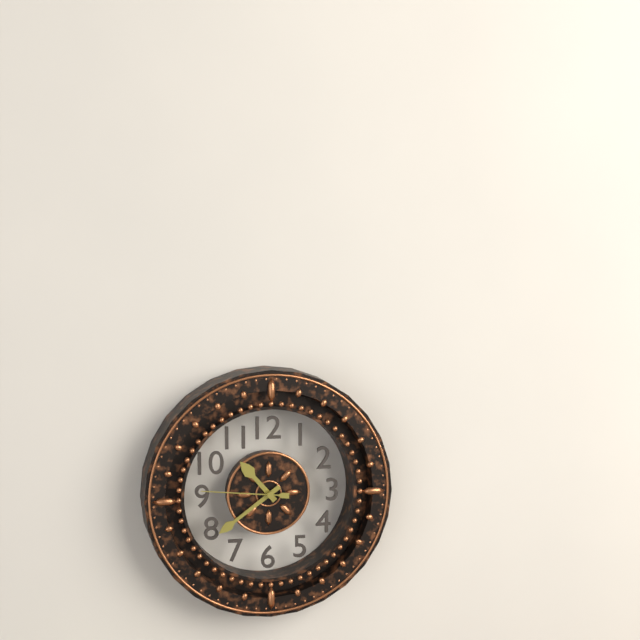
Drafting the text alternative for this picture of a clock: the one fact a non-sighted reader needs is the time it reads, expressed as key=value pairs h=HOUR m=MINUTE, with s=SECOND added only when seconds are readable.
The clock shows h=10 m=39 s=46
